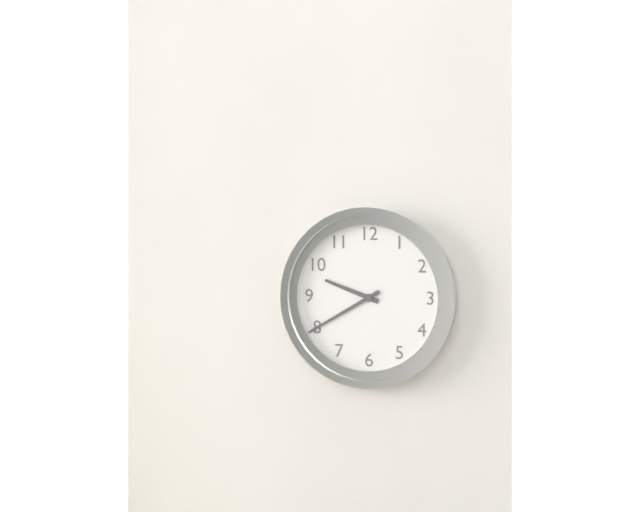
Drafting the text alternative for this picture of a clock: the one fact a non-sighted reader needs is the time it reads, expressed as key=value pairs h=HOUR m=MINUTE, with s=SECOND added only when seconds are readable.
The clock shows h=9 m=40
